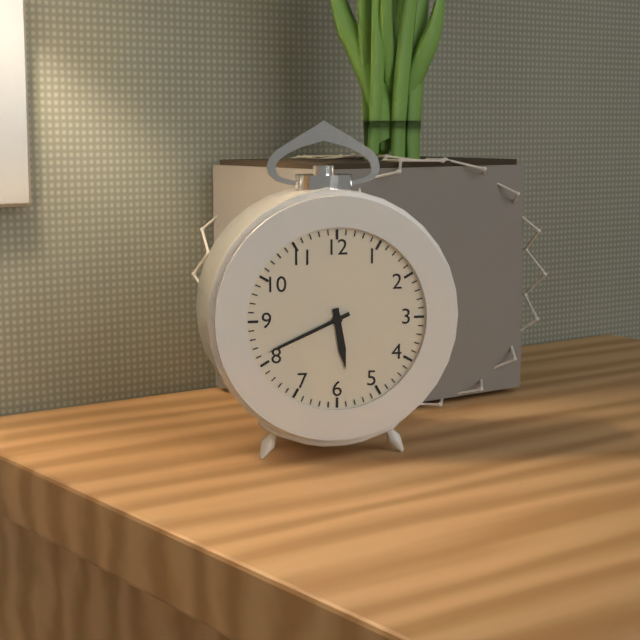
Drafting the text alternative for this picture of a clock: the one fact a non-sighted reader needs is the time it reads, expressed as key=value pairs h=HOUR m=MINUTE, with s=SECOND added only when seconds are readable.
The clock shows h=5 m=41
